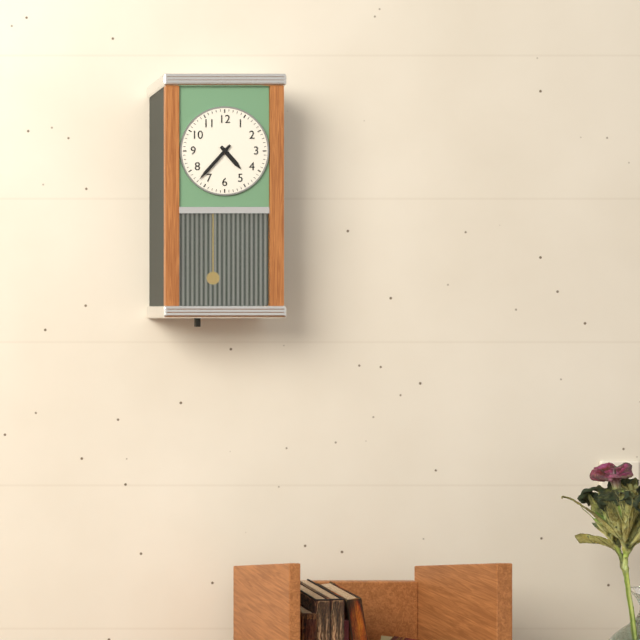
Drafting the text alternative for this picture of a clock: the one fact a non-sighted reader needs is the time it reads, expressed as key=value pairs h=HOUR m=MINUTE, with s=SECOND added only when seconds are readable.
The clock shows h=4 m=37
